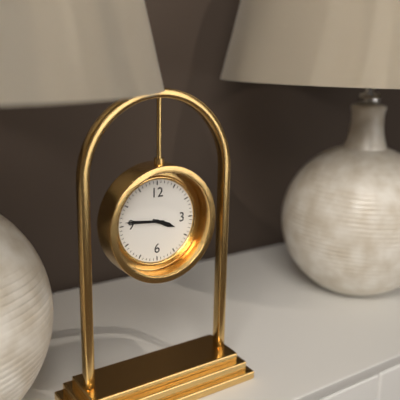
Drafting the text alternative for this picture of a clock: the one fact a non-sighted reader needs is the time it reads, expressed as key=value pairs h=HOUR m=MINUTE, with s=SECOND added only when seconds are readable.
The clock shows h=3 m=46
